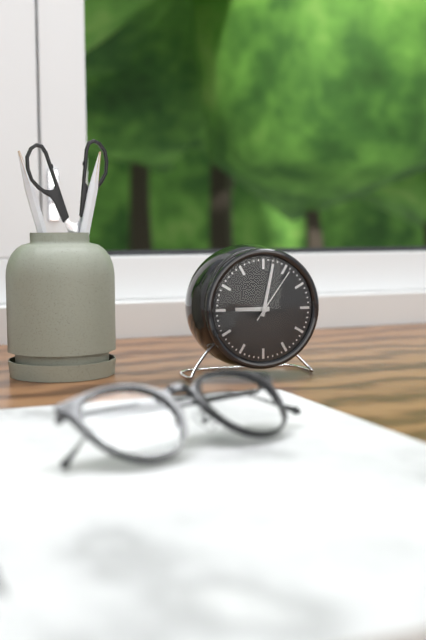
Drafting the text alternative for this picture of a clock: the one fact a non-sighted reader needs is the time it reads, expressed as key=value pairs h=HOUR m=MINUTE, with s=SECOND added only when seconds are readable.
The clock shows h=9 m=2 s=6
